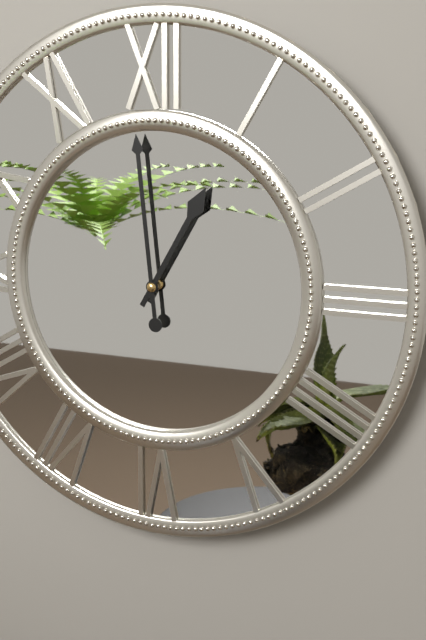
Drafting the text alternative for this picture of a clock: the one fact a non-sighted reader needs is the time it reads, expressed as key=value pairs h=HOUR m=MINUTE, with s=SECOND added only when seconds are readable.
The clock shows h=12 m=59
